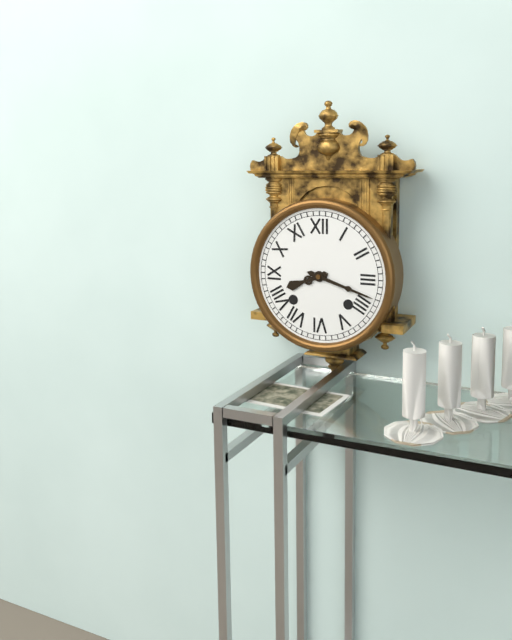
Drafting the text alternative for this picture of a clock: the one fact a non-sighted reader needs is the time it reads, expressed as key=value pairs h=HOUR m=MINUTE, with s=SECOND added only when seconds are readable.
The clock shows h=8 m=18
